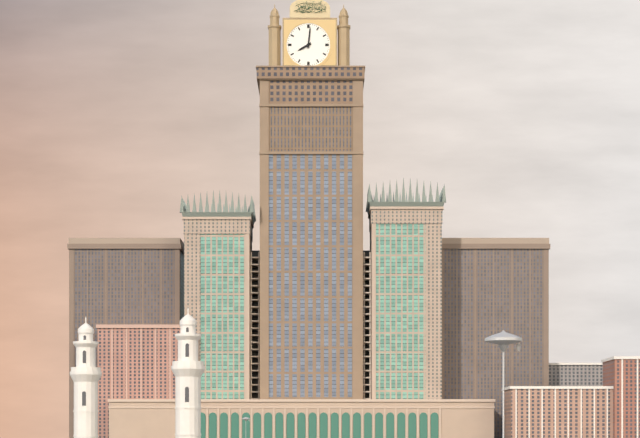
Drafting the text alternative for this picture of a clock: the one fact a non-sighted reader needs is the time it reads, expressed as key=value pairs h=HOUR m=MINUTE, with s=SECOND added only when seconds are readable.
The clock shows h=8 m=1
